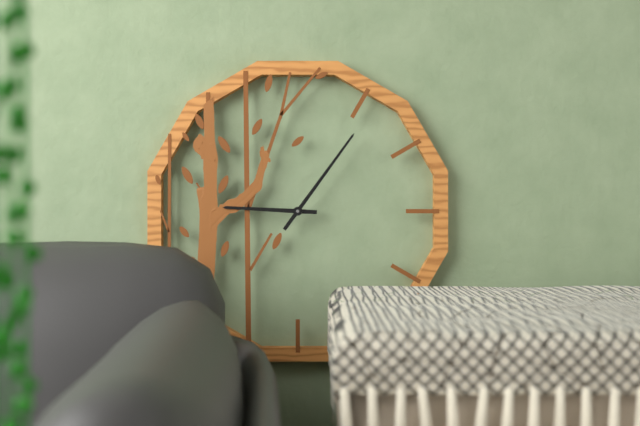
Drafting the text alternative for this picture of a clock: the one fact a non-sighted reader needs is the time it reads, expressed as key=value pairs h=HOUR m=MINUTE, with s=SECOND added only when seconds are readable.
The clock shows h=9 m=6
